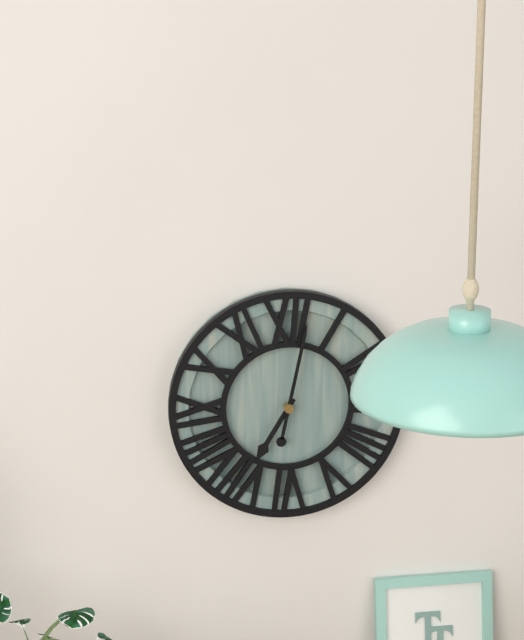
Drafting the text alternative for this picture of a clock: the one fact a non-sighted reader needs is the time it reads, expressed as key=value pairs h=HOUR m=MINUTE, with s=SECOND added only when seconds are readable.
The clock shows h=7 m=2
